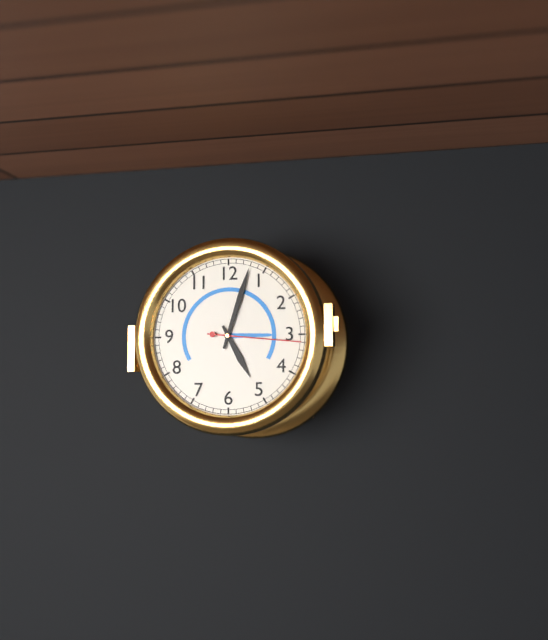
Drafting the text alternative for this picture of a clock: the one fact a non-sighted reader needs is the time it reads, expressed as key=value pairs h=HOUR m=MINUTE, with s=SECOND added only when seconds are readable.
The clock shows h=5 m=3 s=16
